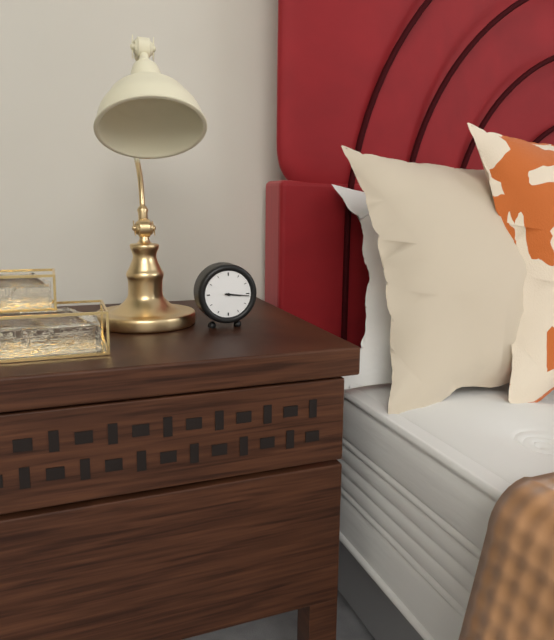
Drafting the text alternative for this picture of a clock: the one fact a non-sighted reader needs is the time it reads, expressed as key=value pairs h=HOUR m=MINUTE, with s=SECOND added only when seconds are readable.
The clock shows h=3 m=16
